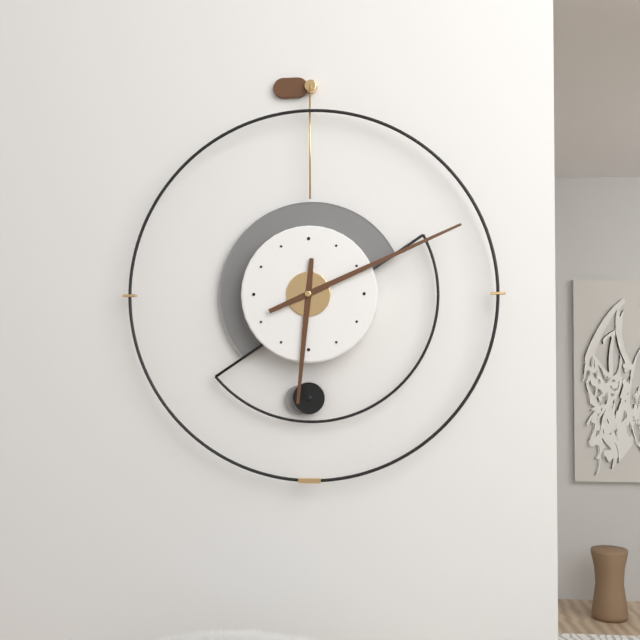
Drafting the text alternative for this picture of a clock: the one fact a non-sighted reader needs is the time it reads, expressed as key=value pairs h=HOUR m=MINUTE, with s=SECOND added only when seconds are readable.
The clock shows h=6 m=11
